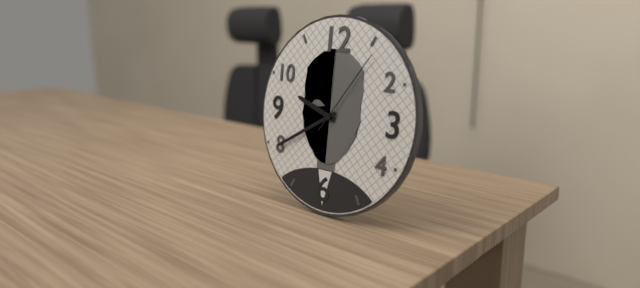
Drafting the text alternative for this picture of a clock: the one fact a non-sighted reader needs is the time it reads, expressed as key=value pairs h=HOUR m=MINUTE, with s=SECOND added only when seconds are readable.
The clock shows h=9 m=40 s=6
